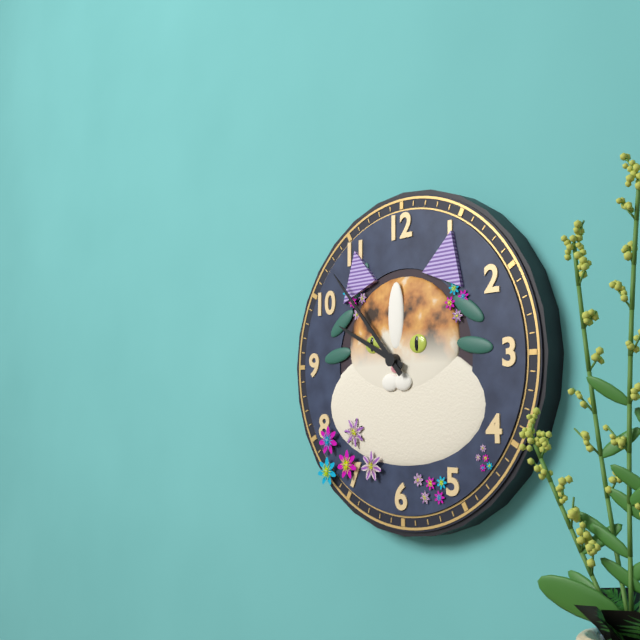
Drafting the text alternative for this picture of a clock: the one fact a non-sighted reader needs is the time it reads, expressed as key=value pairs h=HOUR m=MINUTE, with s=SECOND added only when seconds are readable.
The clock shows h=9 m=53
